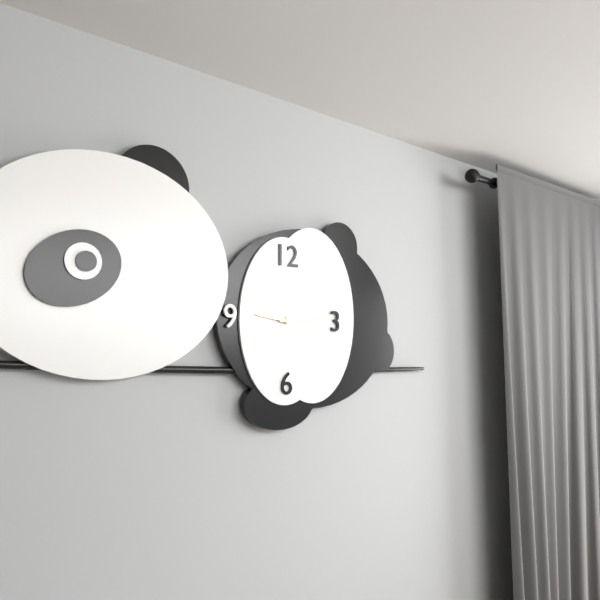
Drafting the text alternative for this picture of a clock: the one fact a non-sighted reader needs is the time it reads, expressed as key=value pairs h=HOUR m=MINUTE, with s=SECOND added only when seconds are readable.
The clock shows h=9 m=14
